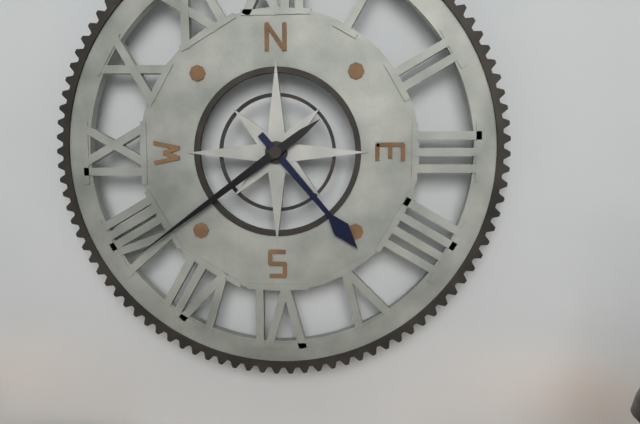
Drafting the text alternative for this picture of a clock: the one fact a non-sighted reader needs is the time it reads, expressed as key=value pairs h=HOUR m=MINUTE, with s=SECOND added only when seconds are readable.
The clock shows h=4 m=39
